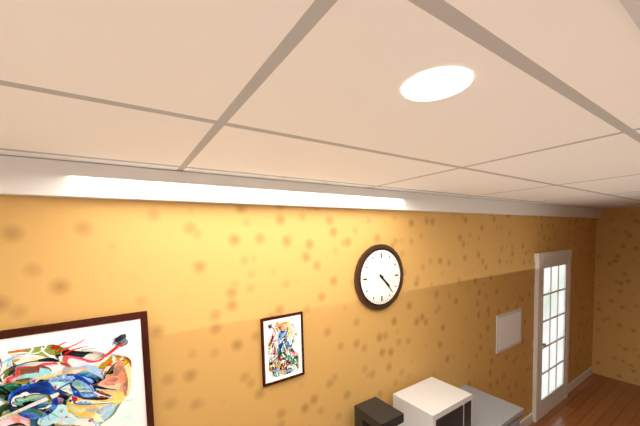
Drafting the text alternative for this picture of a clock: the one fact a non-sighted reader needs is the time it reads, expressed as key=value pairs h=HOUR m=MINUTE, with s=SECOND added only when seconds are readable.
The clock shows h=4 m=23
